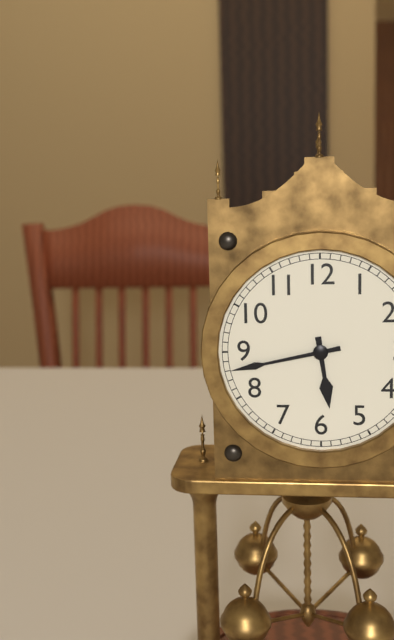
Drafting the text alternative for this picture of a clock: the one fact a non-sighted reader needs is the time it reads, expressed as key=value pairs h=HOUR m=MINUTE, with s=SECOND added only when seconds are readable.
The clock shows h=5 m=43
